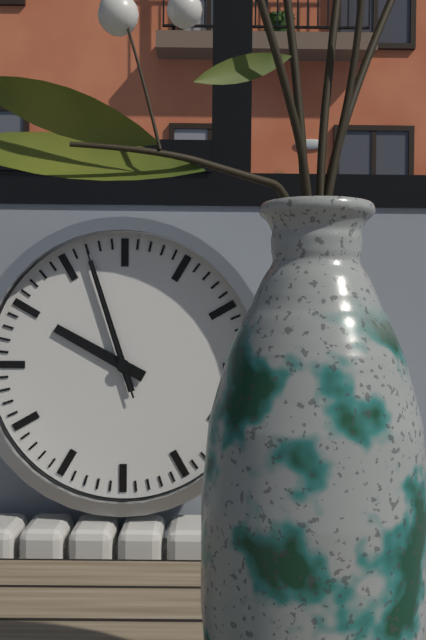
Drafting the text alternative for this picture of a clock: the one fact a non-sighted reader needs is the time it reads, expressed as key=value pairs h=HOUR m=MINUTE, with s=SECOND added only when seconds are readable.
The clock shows h=9 m=57 s=57
